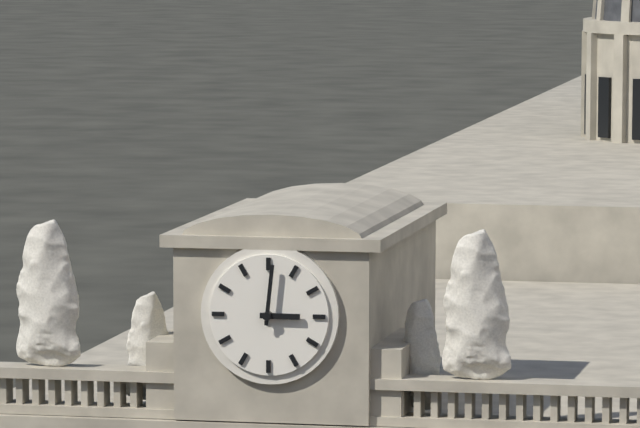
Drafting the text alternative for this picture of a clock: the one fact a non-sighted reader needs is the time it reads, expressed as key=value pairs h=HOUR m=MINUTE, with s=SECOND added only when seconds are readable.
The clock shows h=3 m=1
